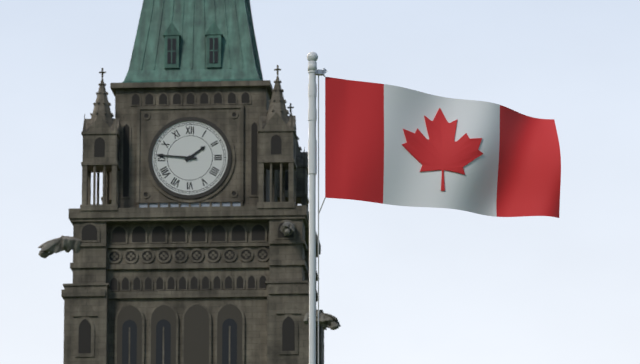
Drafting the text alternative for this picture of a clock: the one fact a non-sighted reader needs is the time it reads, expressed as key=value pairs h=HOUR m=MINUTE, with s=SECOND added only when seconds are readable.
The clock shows h=1 m=46
